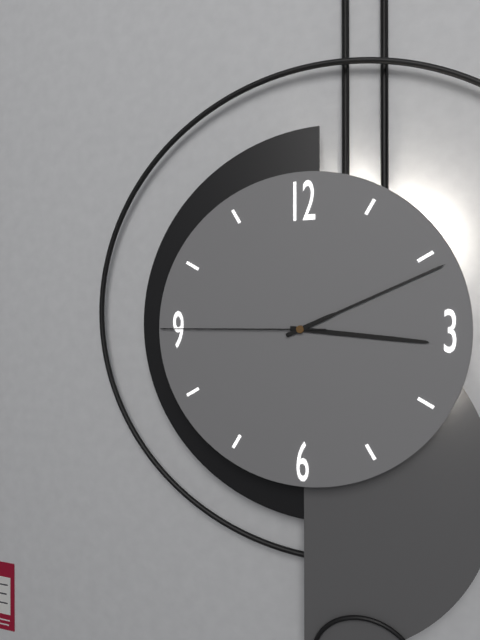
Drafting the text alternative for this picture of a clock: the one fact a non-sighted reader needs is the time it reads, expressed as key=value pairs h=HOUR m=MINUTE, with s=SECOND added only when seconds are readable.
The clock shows h=3 m=11 s=45
